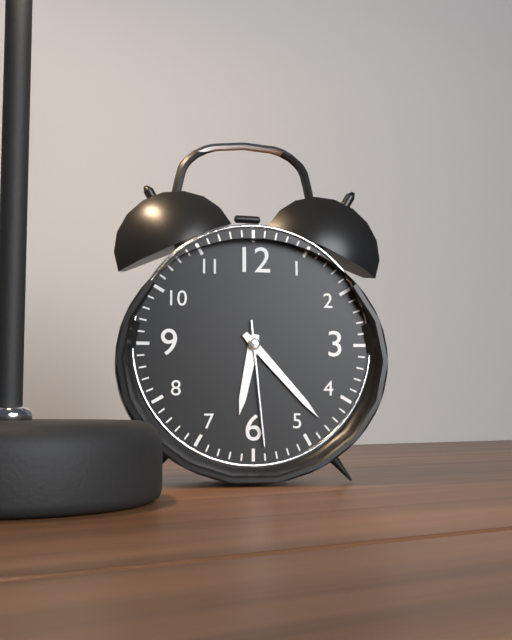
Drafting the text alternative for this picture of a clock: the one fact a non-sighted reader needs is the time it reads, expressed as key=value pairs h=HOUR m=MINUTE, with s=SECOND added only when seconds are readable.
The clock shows h=6 m=23 s=29
